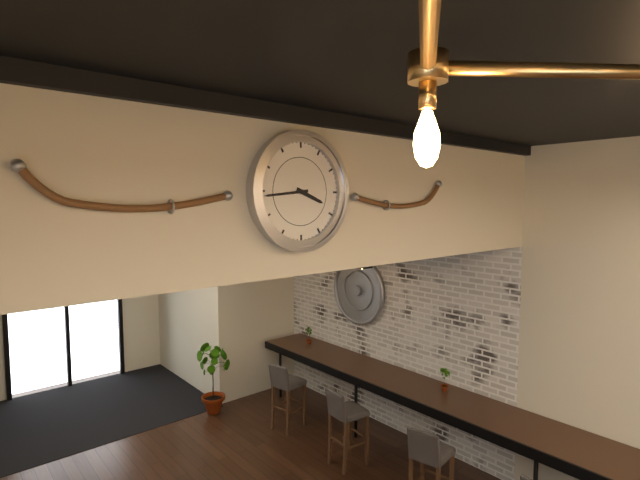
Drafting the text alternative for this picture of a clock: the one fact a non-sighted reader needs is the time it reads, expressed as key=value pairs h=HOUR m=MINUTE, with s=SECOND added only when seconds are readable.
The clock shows h=3 m=44
